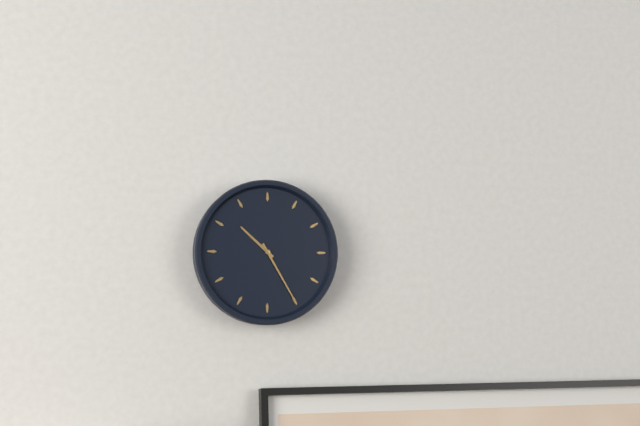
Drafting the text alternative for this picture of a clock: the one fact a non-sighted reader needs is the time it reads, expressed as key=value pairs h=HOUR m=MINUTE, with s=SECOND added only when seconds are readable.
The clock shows h=10 m=25
